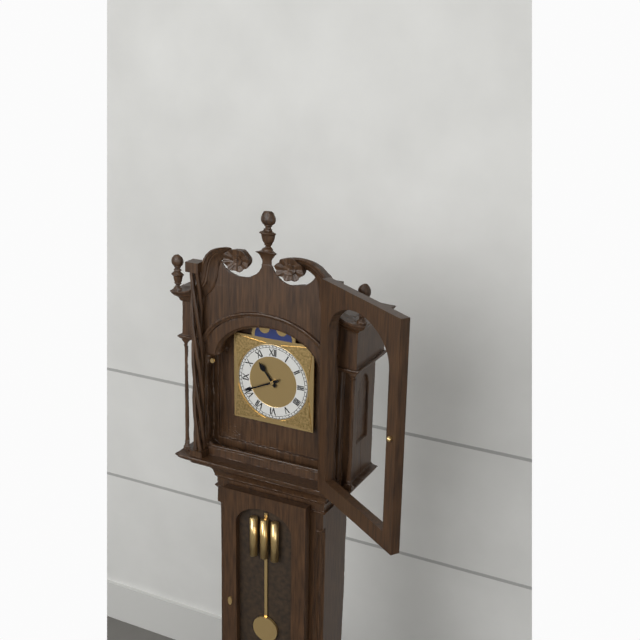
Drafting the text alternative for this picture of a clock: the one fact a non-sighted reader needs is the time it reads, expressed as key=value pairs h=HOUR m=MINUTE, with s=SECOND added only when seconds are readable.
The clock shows h=10 m=41
